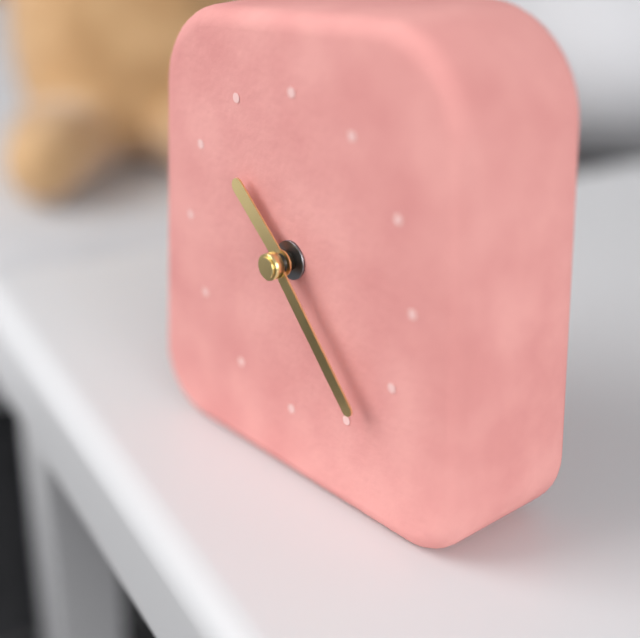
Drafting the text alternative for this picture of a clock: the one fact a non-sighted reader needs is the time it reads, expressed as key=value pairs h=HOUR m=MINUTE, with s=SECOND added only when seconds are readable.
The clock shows h=10 m=23
